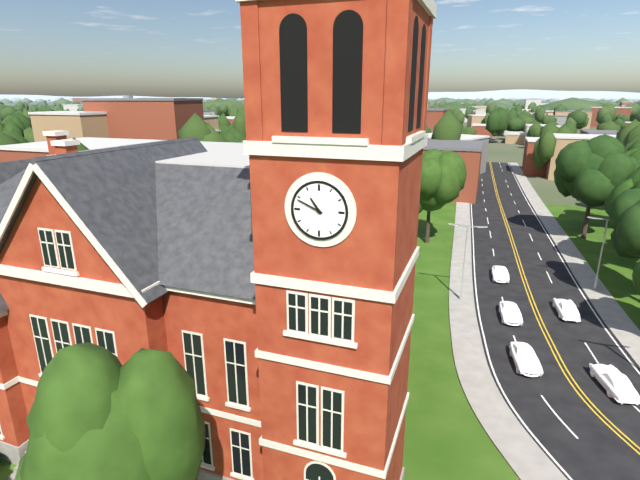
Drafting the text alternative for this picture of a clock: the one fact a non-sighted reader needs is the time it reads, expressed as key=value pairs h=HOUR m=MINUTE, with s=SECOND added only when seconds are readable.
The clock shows h=10 m=49
